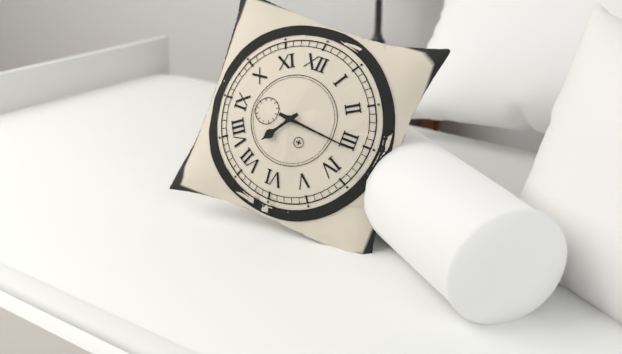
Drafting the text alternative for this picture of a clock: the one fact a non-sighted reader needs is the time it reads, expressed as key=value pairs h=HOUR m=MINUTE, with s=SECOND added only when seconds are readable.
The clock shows h=7 m=16
